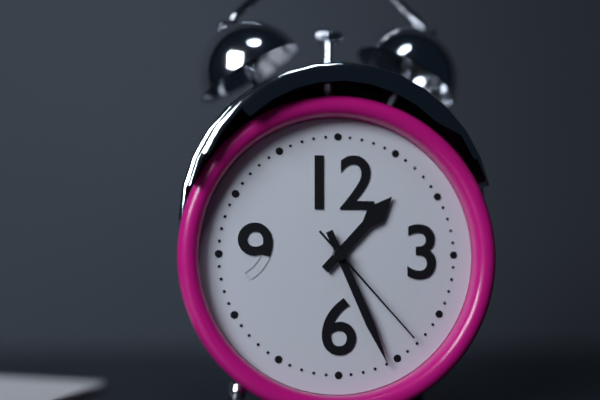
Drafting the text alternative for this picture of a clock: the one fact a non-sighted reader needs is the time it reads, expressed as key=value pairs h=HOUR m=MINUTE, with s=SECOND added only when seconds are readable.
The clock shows h=1 m=26 s=23
